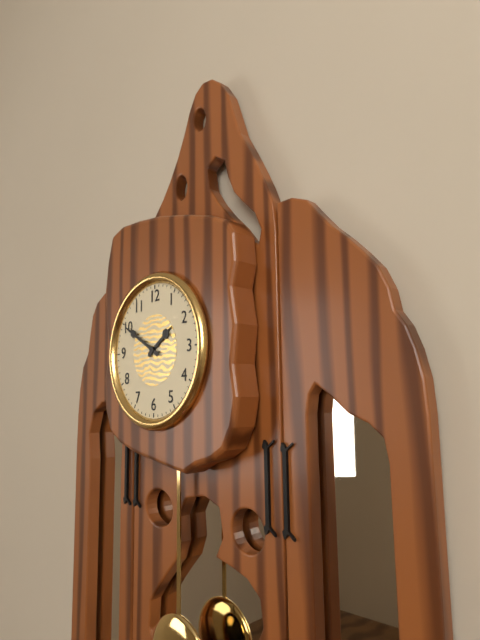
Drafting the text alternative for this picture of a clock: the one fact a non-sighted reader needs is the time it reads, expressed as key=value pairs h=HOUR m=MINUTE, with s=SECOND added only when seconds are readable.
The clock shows h=1 m=50
